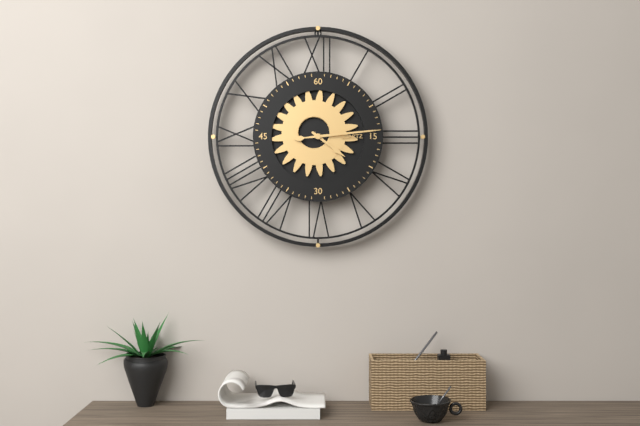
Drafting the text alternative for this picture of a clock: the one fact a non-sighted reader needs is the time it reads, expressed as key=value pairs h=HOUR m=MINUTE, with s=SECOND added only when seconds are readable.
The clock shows h=4 m=14
